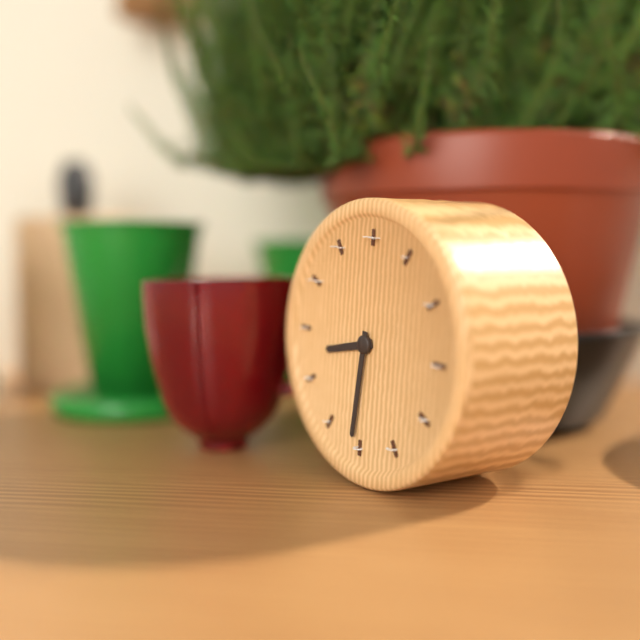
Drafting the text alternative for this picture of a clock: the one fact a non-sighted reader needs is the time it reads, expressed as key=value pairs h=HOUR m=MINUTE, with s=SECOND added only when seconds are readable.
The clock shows h=8 m=31
